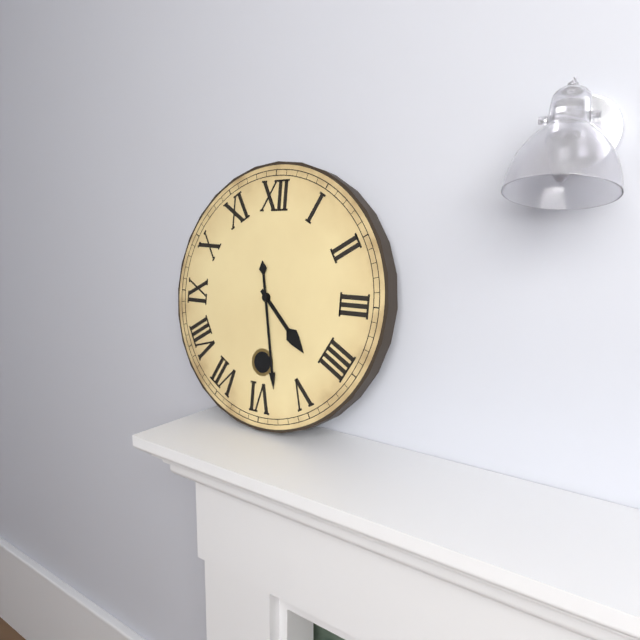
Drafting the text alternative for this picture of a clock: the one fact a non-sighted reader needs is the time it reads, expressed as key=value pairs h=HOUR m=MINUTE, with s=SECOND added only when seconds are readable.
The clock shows h=4 m=28
